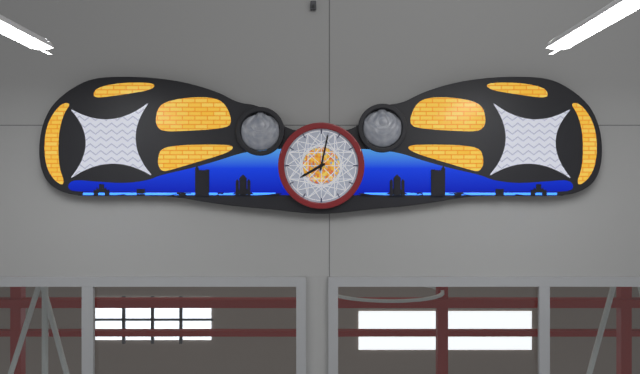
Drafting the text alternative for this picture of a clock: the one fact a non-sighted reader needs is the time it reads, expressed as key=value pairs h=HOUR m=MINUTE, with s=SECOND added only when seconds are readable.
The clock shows h=8 m=2
